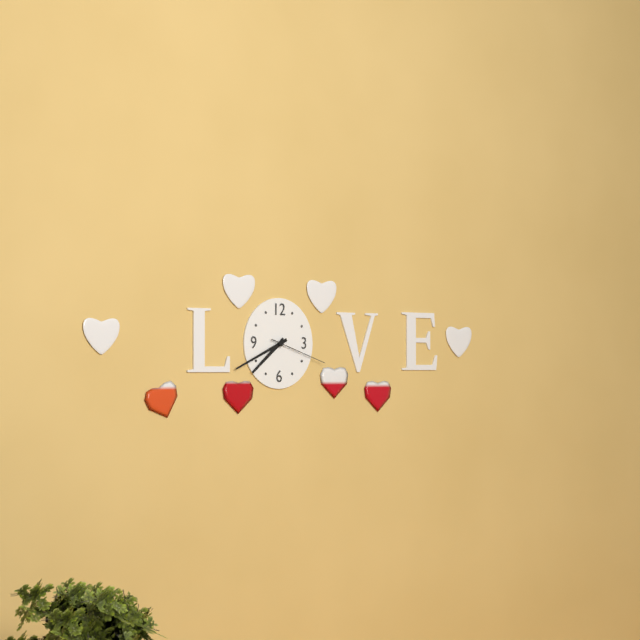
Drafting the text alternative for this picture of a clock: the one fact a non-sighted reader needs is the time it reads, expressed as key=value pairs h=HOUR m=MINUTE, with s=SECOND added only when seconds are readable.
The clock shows h=7 m=41 s=18
